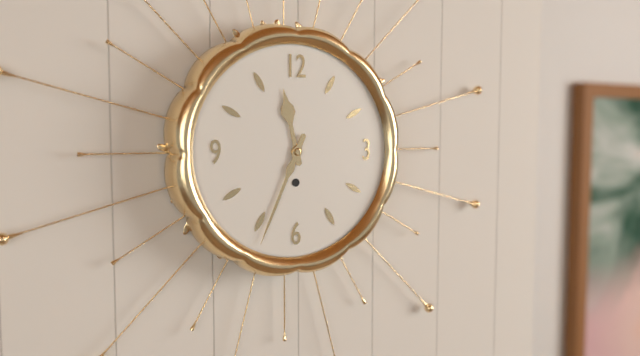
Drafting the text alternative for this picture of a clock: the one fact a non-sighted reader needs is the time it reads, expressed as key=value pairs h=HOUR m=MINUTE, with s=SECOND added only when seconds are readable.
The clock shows h=11 m=34
